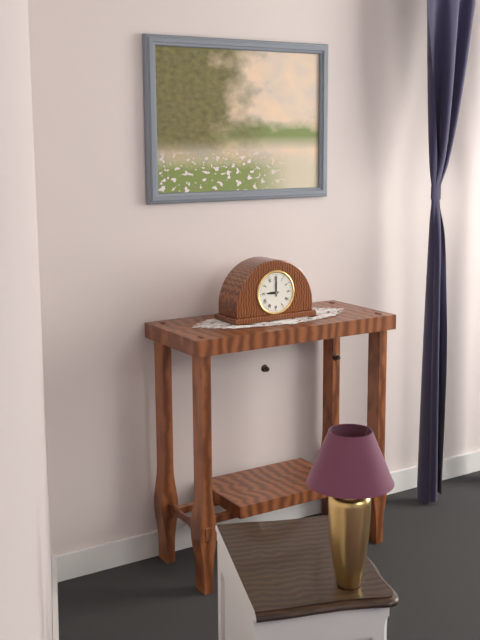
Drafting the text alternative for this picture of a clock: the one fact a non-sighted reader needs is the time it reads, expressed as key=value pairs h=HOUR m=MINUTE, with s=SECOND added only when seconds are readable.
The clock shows h=9 m=0
